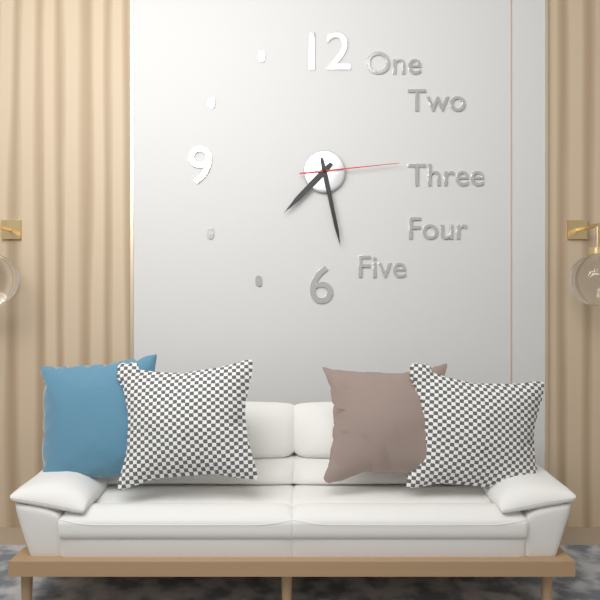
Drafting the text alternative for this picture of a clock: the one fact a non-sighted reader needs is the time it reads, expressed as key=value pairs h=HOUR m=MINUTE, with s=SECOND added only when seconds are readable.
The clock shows h=7 m=28 s=14
